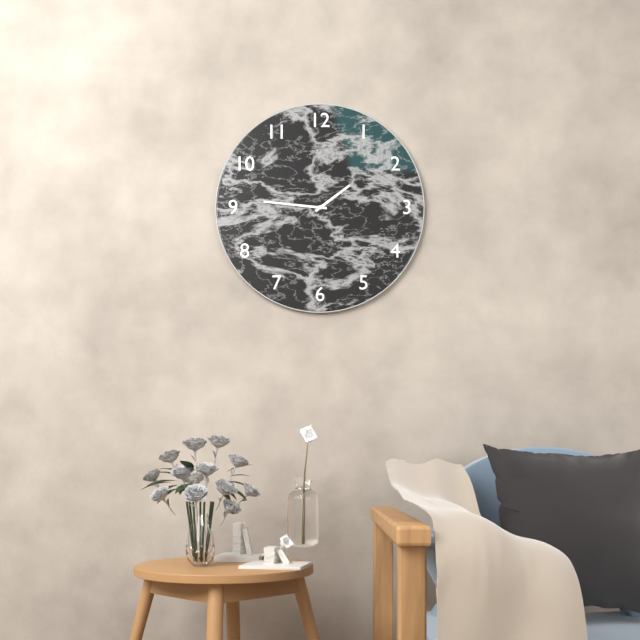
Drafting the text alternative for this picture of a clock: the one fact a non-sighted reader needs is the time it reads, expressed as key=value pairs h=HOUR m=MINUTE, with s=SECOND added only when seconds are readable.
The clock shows h=1 m=46
